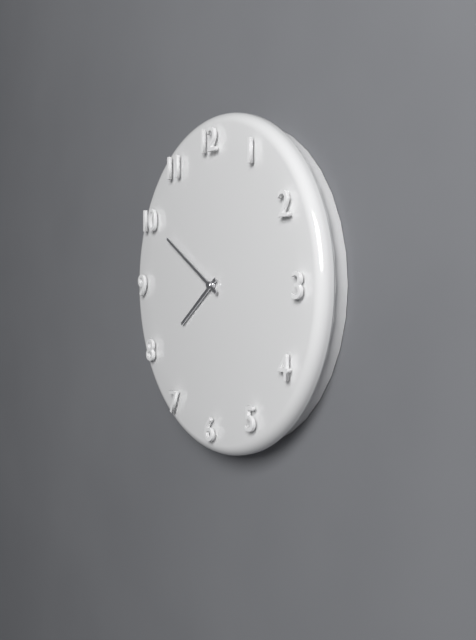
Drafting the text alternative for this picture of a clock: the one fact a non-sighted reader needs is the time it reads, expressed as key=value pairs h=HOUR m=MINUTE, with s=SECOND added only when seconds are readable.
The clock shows h=7 m=50
